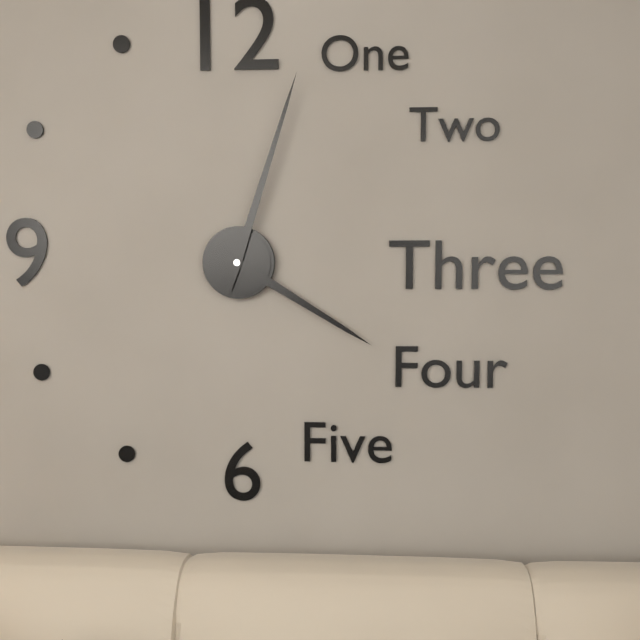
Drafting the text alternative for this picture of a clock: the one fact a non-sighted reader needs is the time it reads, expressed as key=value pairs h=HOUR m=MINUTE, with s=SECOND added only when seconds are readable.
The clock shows h=4 m=3
